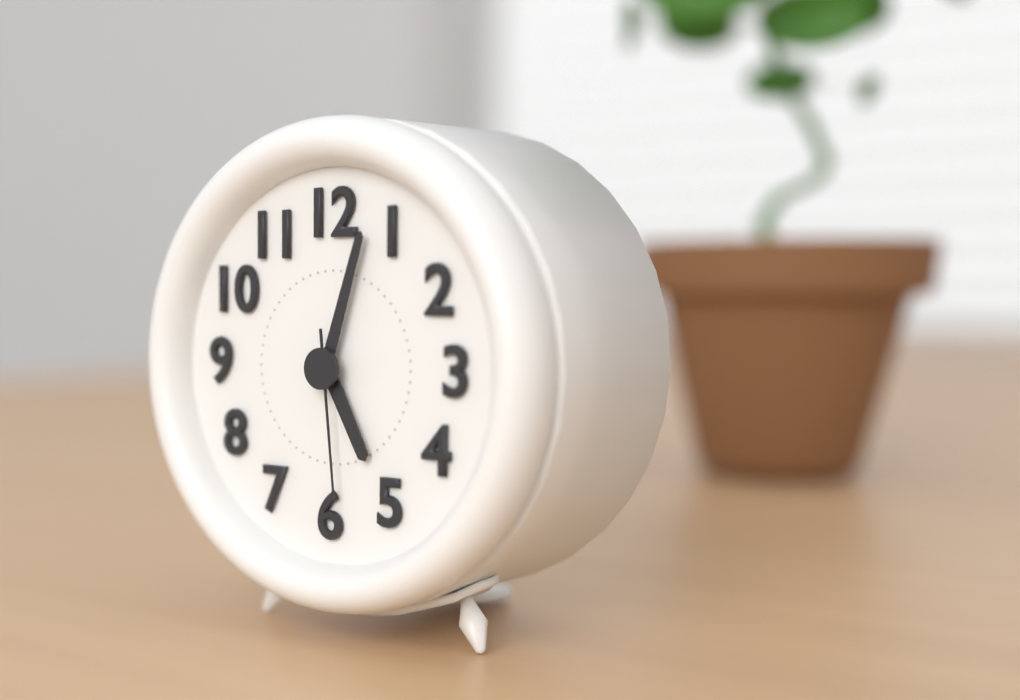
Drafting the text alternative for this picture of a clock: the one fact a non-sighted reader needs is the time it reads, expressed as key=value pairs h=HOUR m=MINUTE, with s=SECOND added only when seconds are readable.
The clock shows h=5 m=3 s=29
